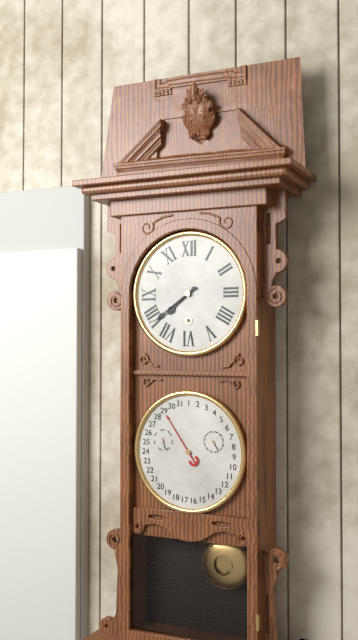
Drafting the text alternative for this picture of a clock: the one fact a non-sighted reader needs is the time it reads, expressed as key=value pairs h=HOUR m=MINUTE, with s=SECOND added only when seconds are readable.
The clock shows h=7 m=39
